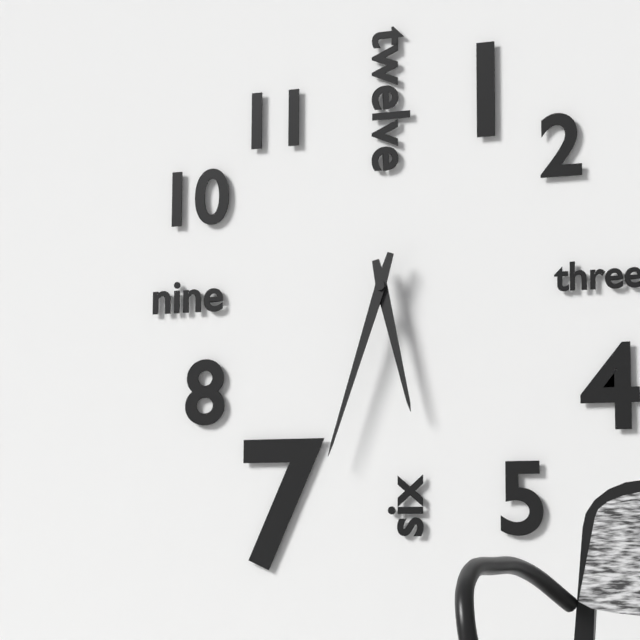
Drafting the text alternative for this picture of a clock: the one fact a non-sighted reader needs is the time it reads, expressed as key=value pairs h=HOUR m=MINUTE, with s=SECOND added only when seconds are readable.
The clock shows h=5 m=33
